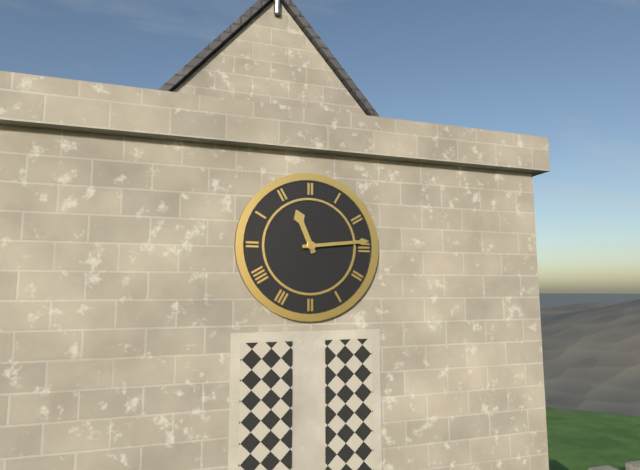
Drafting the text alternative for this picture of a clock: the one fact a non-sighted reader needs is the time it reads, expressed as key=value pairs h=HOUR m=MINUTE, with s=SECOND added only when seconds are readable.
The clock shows h=11 m=14
